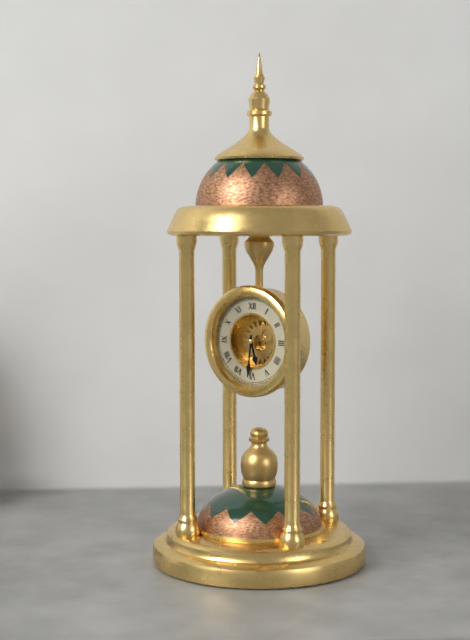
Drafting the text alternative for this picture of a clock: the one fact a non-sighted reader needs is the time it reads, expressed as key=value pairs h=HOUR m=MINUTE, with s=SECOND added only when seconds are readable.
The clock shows h=5 m=31
